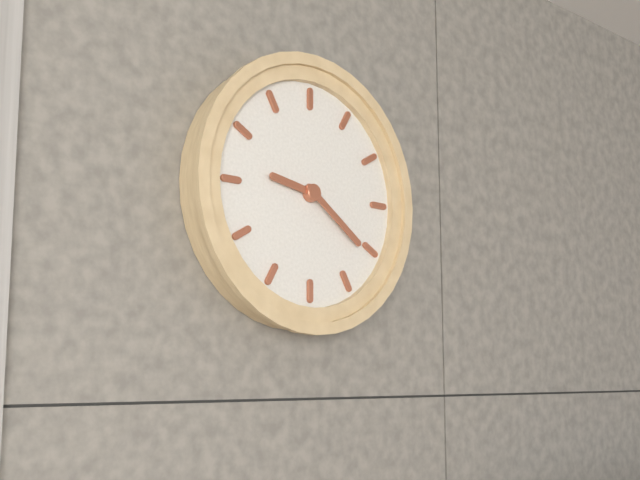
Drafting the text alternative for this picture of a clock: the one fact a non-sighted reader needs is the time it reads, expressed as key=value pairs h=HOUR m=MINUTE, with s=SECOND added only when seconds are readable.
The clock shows h=9 m=21
